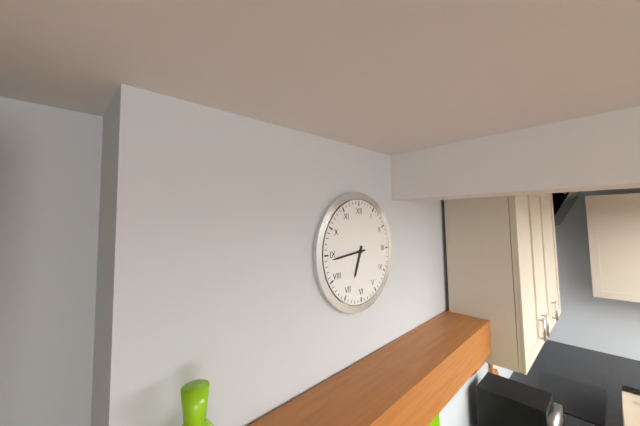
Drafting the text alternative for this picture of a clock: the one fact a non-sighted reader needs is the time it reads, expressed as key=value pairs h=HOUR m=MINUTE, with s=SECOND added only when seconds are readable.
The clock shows h=6 m=44
